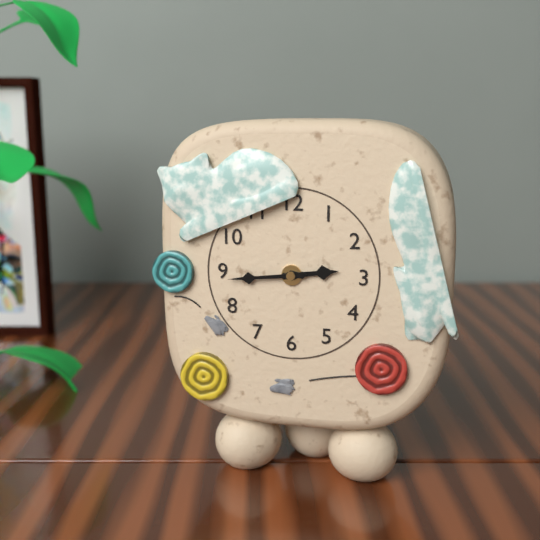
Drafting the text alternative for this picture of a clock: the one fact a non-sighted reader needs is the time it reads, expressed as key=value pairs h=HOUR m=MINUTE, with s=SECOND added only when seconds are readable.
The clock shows h=2 m=44
